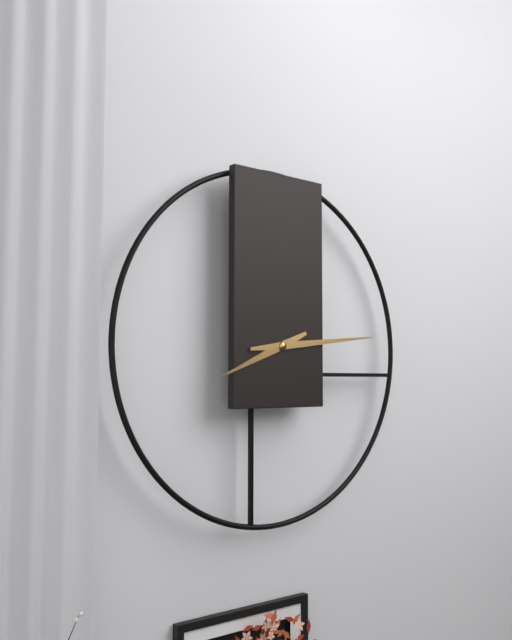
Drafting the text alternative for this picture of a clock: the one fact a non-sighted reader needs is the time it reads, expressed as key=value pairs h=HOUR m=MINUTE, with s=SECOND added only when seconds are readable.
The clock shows h=8 m=14
